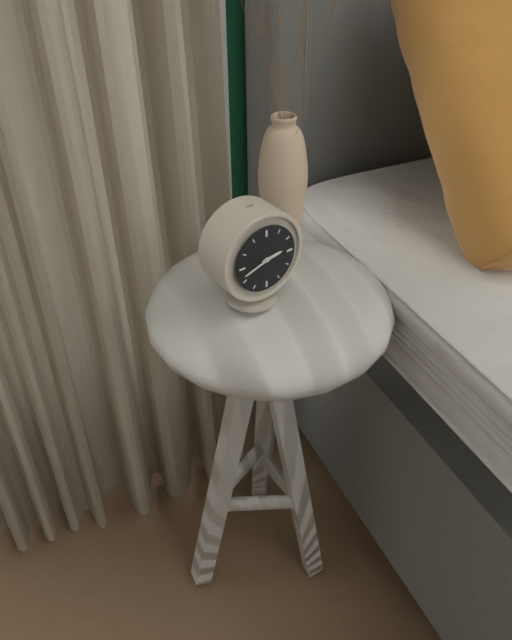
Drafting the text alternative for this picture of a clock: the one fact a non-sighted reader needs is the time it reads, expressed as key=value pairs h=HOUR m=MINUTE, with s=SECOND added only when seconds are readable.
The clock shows h=2 m=42
